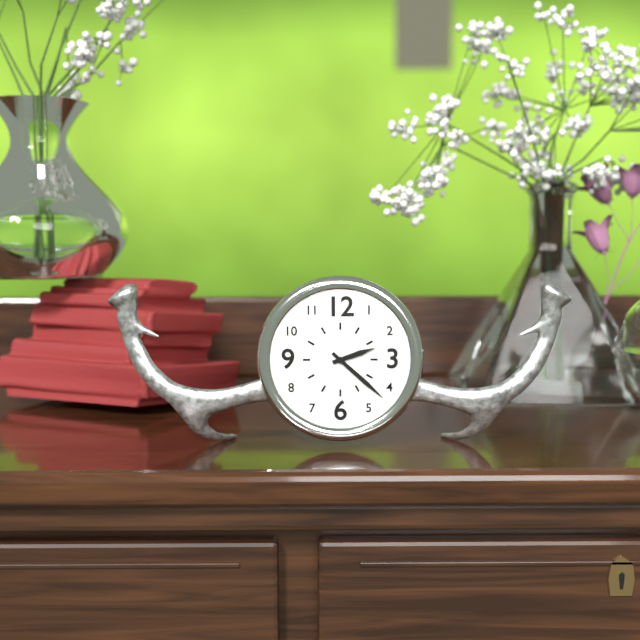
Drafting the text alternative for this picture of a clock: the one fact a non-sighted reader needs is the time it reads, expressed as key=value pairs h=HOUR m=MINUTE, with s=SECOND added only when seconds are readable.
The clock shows h=2 m=22
